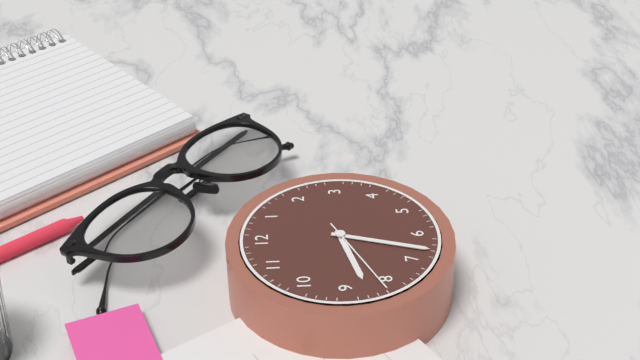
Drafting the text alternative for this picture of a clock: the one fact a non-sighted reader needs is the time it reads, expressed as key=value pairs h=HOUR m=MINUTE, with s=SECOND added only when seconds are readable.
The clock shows h=8 m=33 s=41
